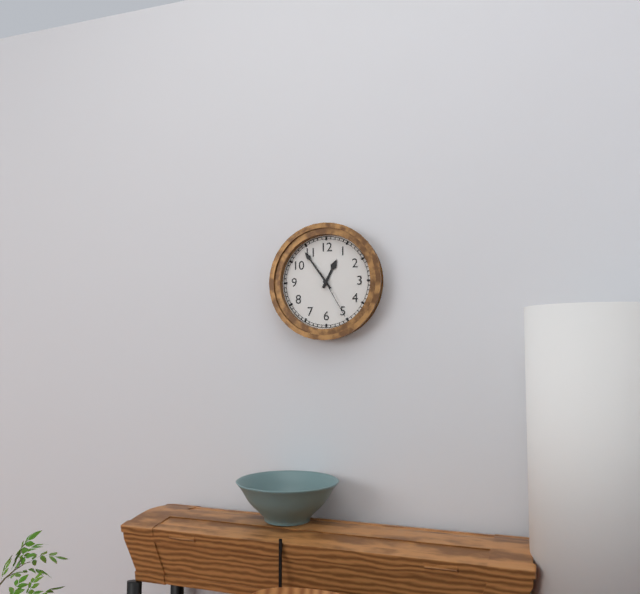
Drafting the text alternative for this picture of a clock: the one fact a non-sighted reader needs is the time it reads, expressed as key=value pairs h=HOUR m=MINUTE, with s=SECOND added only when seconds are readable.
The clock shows h=12 m=54 s=25
